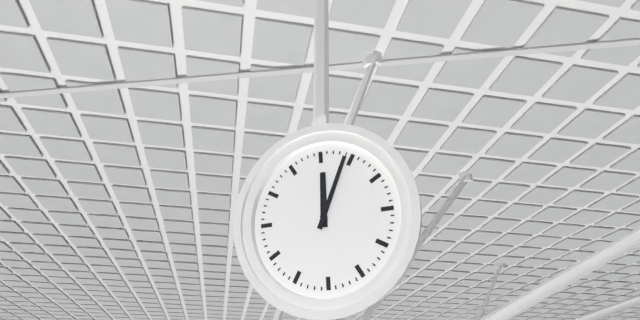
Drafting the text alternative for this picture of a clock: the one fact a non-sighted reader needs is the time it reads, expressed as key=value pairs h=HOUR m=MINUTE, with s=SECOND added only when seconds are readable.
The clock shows h=12 m=4
